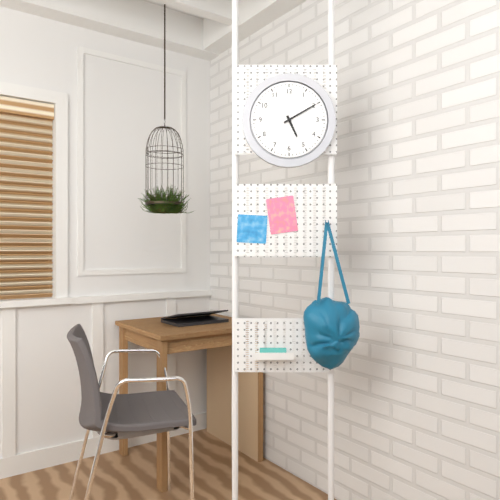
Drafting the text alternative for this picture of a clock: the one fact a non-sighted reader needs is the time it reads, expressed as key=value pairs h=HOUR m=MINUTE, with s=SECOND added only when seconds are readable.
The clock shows h=5 m=10
